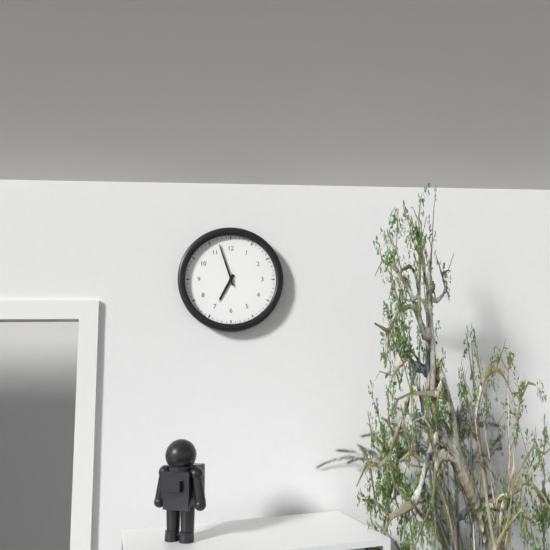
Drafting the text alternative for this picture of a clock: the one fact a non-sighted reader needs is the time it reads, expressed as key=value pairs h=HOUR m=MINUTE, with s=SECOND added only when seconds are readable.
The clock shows h=6 m=57
